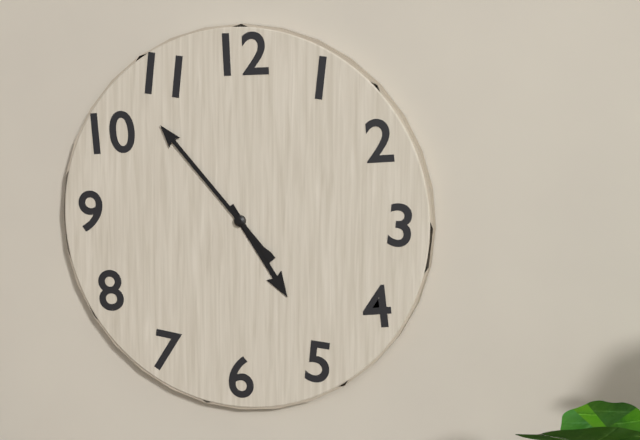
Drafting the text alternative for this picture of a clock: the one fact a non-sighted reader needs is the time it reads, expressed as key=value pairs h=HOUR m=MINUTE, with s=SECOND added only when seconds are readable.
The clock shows h=4 m=53
